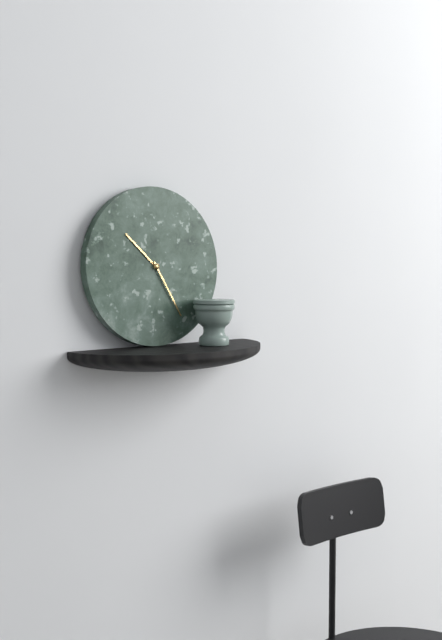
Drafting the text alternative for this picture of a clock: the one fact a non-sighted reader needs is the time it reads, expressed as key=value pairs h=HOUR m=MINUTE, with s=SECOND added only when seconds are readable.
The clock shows h=10 m=25
